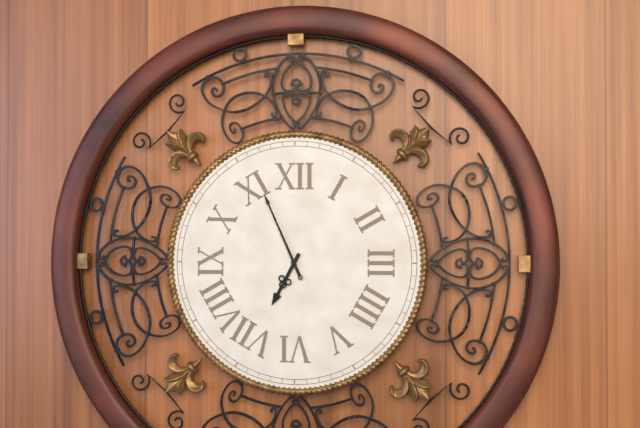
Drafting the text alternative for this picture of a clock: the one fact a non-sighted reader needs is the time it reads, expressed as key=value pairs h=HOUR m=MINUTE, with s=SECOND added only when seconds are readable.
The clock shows h=6 m=56
